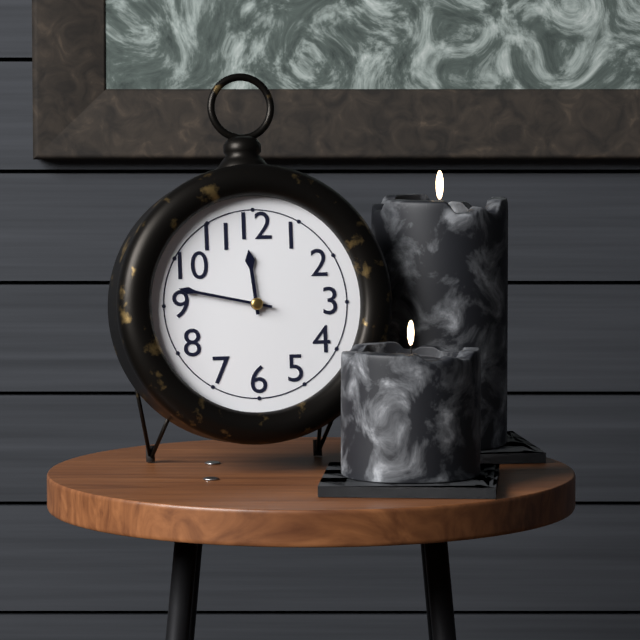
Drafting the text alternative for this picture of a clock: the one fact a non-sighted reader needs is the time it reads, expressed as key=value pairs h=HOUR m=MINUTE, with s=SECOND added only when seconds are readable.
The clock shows h=11 m=47
